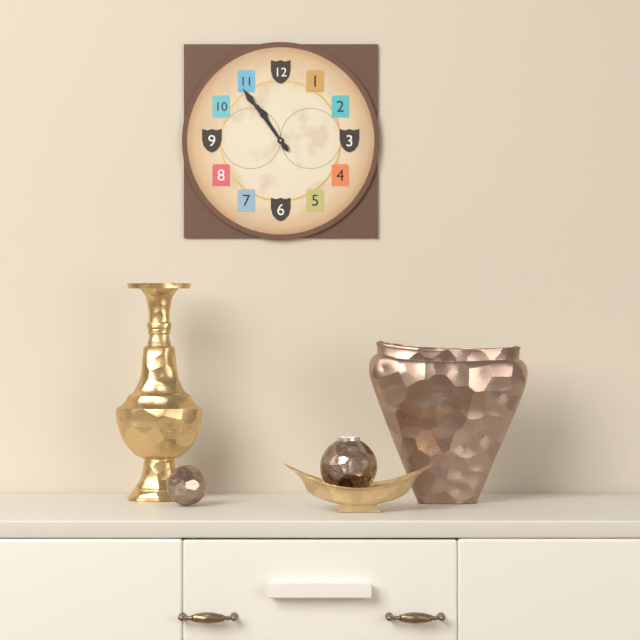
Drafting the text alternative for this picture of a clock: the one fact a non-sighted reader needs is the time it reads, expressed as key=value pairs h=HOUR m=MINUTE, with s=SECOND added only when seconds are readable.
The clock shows h=10 m=54
